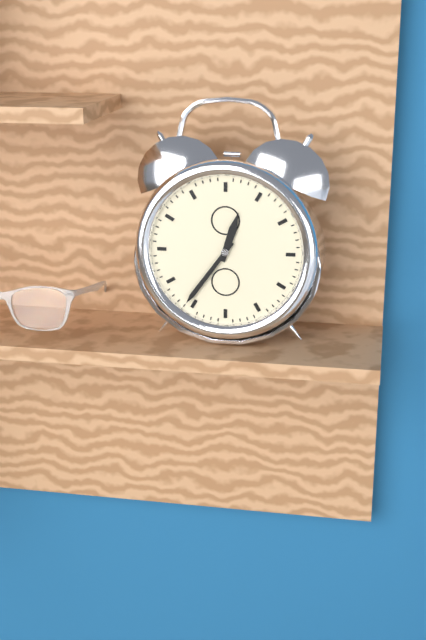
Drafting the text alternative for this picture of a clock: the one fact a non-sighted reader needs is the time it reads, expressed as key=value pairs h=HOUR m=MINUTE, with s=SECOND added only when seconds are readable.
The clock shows h=12 m=36
